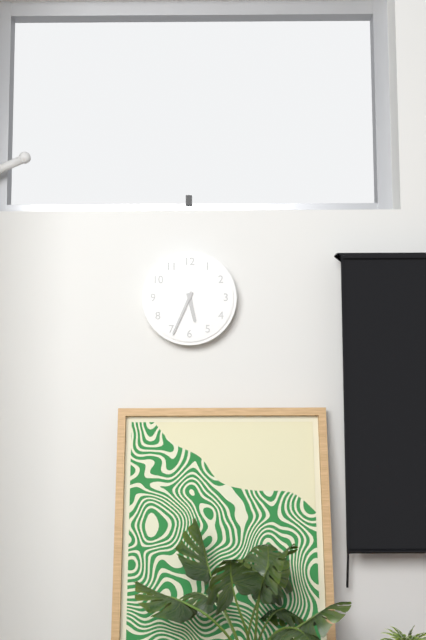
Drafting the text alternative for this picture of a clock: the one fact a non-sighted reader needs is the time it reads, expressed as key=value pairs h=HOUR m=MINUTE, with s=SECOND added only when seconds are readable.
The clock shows h=5 m=34
